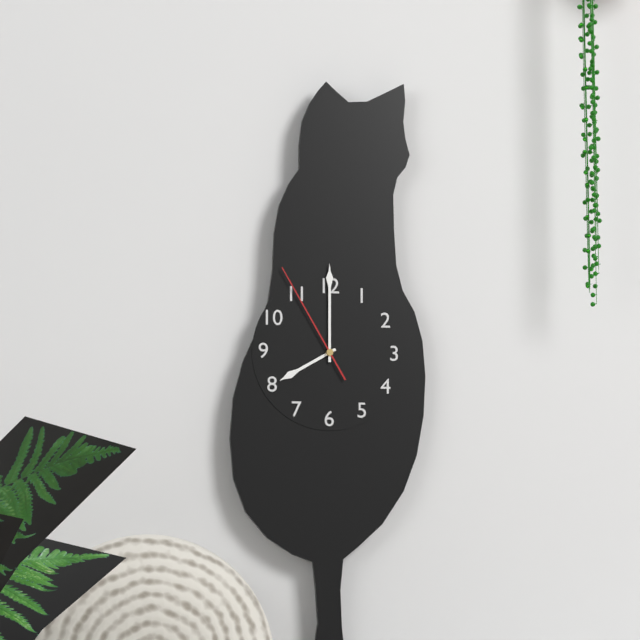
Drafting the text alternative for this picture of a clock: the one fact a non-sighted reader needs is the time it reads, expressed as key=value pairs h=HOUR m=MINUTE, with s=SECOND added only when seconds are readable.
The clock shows h=8 m=0 s=55
